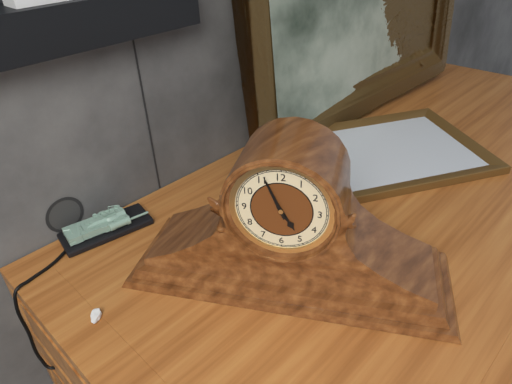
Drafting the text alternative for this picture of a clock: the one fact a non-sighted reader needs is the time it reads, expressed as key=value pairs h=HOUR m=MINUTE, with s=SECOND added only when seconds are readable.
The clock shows h=4 m=56
